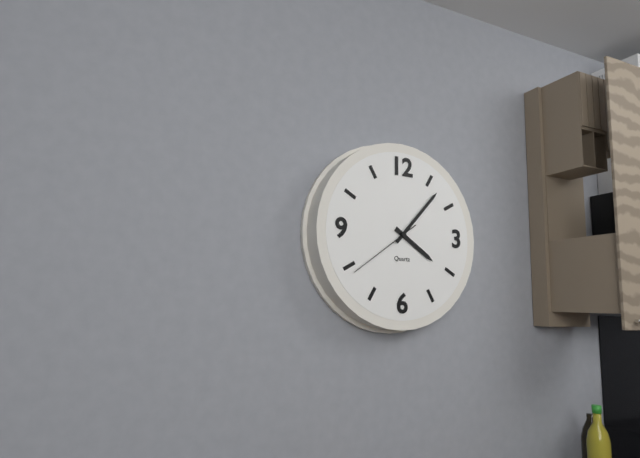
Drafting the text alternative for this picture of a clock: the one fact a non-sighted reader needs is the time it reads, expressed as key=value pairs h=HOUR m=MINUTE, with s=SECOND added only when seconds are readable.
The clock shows h=4 m=7 s=39
